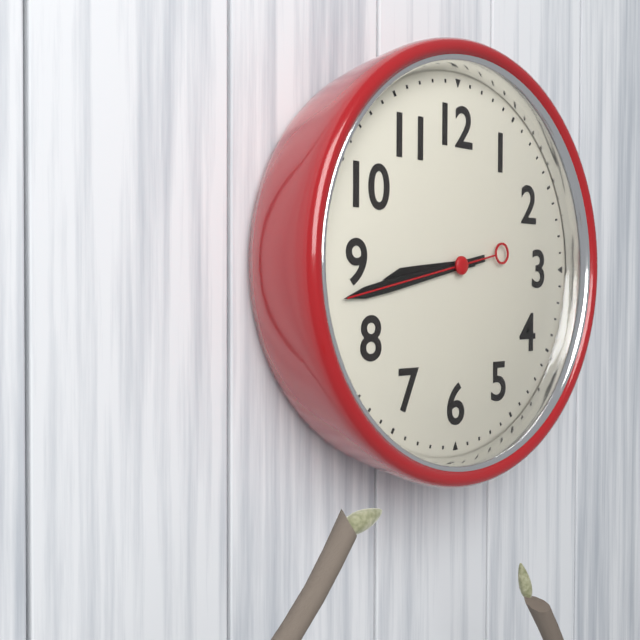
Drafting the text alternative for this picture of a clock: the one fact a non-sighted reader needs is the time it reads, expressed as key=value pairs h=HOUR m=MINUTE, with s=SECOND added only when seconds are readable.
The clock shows h=8 m=43 s=43
